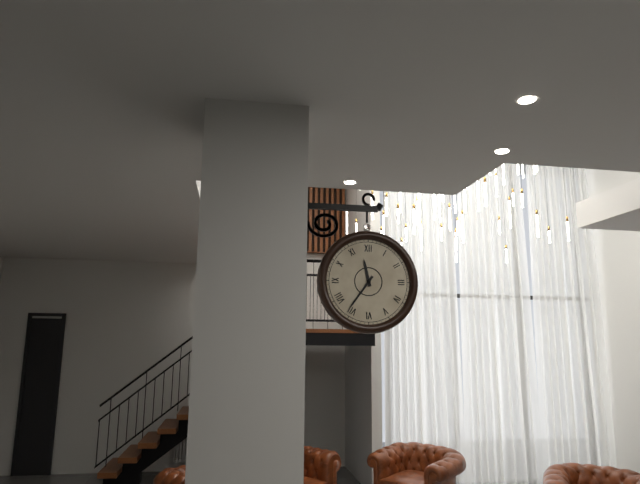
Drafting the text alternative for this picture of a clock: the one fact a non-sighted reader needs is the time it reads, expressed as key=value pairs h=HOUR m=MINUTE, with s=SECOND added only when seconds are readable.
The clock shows h=11 m=36
